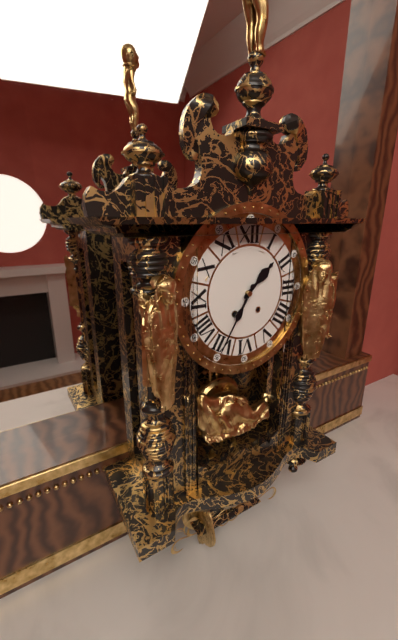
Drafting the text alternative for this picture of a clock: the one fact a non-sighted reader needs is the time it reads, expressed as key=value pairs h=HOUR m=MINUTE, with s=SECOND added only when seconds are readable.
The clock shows h=1 m=35
